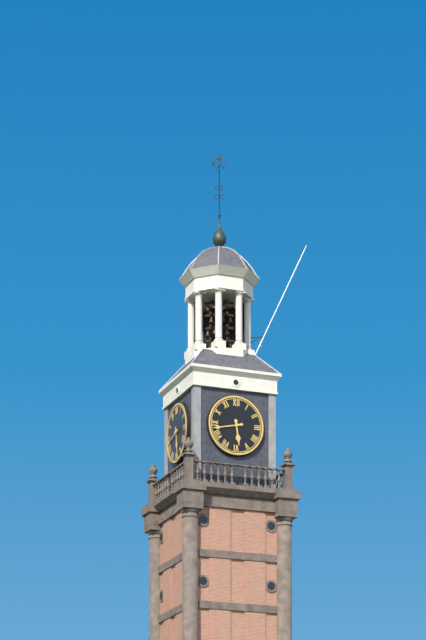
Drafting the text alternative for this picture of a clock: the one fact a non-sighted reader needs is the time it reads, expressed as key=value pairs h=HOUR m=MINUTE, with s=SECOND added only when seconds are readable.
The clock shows h=5 m=43
